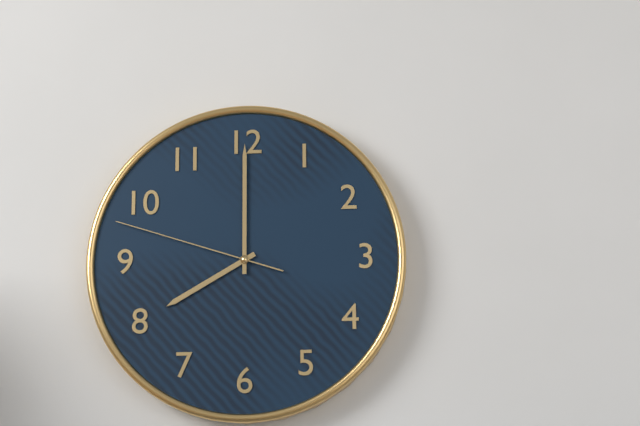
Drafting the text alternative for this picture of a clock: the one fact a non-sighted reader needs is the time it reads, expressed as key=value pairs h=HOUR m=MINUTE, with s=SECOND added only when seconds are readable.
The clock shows h=8 m=0 s=48
